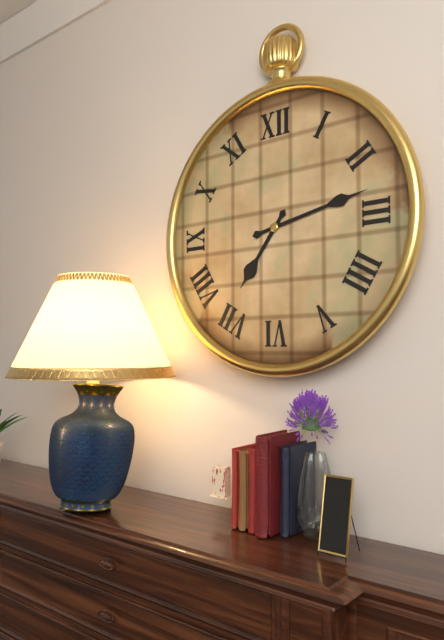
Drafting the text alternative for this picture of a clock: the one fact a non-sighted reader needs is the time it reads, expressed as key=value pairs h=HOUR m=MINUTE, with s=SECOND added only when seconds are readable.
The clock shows h=7 m=13
